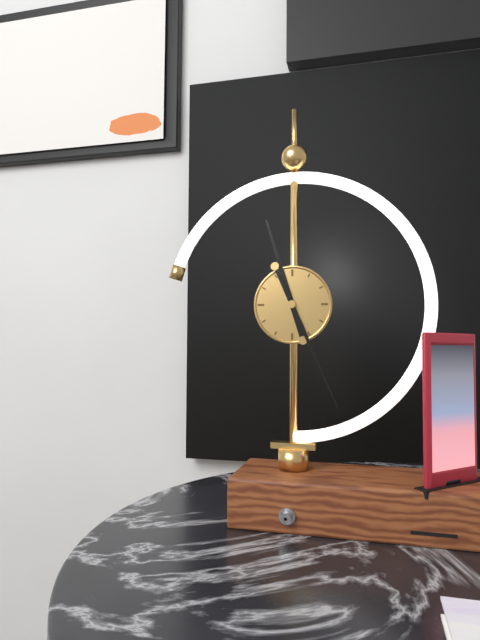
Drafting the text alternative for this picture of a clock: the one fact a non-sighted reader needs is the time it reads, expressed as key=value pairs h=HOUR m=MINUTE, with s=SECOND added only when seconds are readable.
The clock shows h=11 m=26
